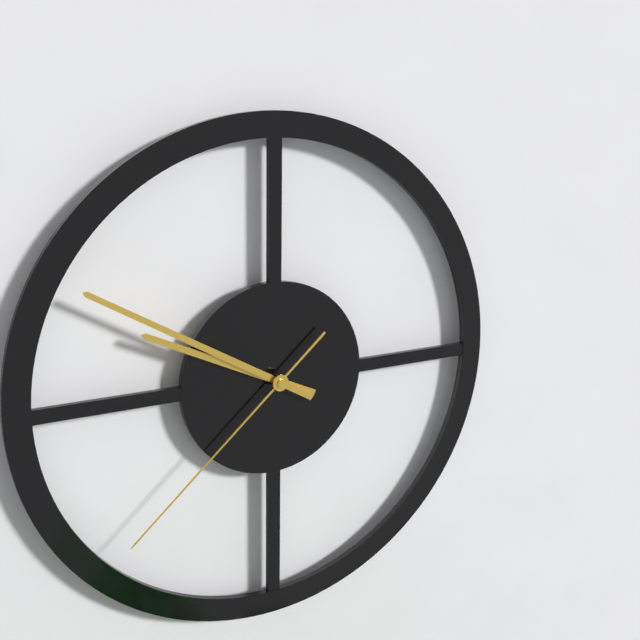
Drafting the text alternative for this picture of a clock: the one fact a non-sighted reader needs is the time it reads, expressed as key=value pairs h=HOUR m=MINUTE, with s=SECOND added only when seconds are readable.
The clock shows h=9 m=50 s=38
